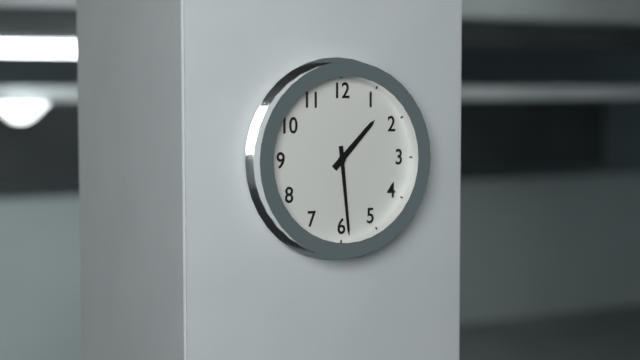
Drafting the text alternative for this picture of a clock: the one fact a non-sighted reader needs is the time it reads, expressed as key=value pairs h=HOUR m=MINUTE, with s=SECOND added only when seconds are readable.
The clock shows h=1 m=29
